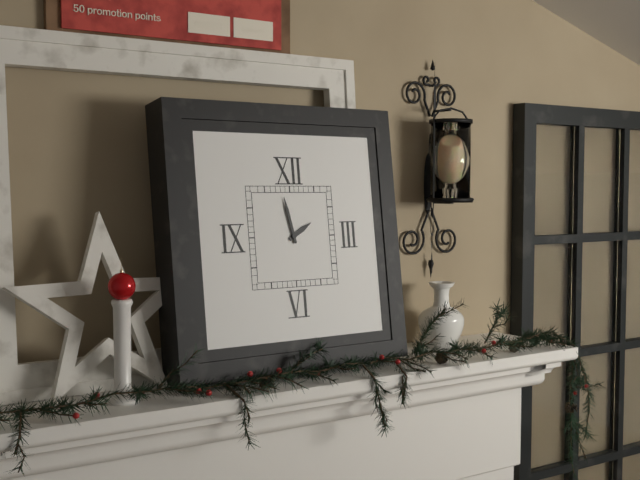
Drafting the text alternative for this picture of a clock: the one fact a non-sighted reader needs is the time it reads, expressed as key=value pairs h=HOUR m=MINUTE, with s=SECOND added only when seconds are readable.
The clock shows h=1 m=58
